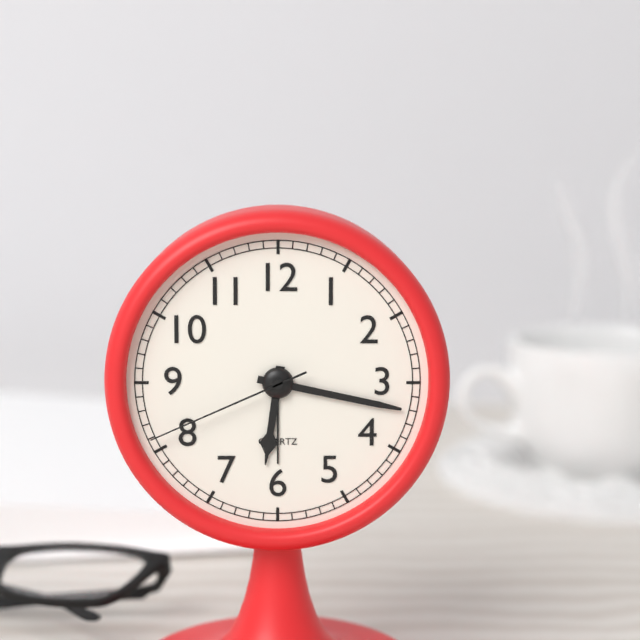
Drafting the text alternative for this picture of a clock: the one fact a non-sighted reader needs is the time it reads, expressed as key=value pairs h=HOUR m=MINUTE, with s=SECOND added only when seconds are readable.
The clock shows h=6 m=17 s=41
